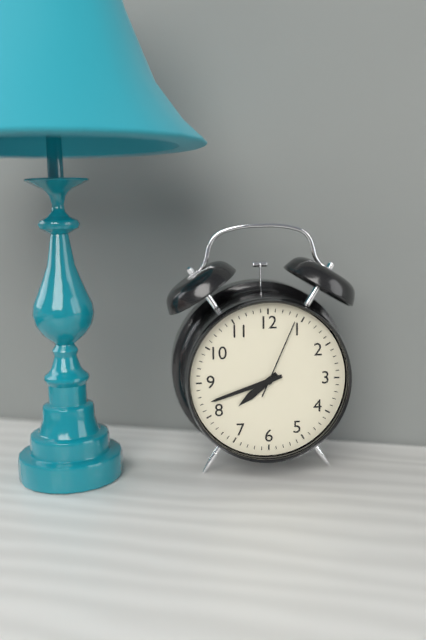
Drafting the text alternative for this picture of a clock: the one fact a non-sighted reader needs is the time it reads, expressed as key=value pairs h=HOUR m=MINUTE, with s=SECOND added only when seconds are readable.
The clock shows h=7 m=42 s=4
